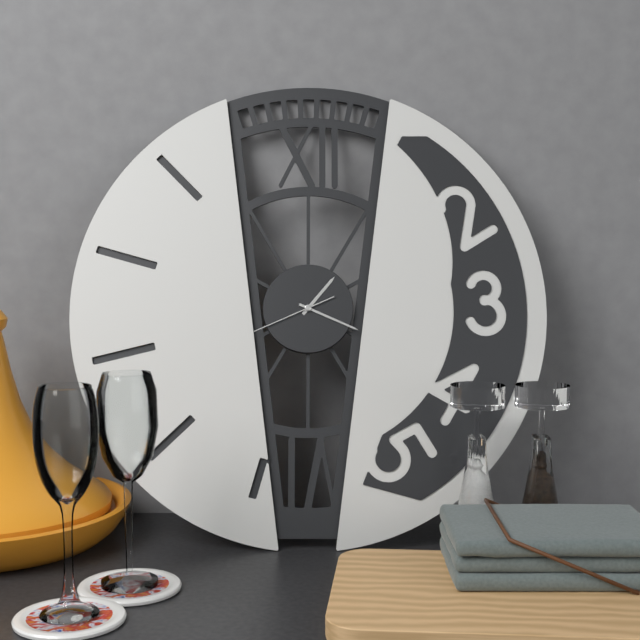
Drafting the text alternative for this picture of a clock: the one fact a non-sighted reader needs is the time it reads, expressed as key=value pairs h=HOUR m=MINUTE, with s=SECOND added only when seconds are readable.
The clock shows h=1 m=19 s=41
